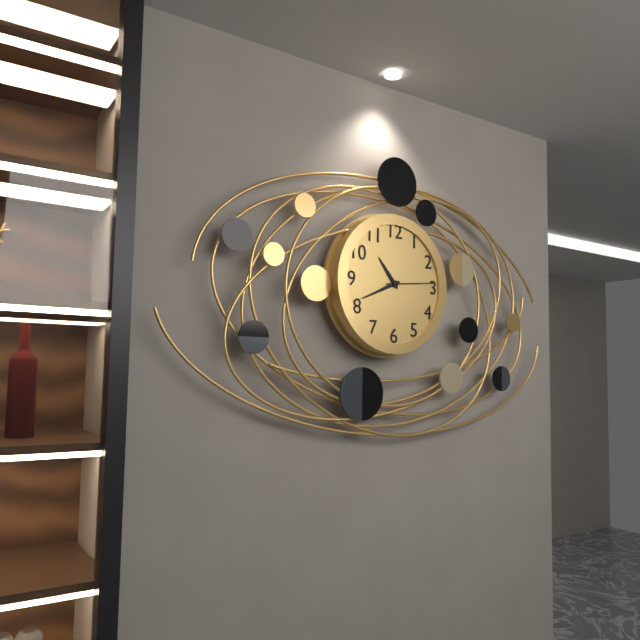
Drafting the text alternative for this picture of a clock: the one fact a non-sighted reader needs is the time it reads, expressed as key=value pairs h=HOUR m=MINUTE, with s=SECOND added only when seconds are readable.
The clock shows h=10 m=41
